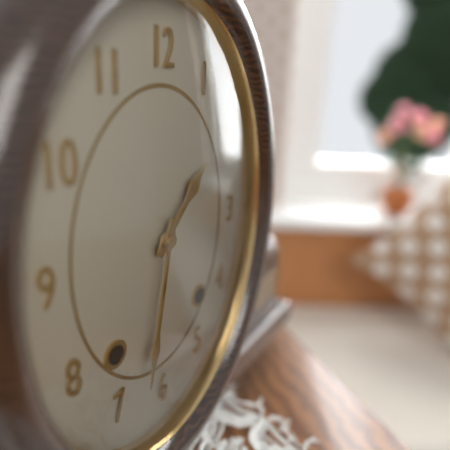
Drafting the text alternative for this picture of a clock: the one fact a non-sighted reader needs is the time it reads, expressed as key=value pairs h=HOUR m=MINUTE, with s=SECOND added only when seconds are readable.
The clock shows h=1 m=32
